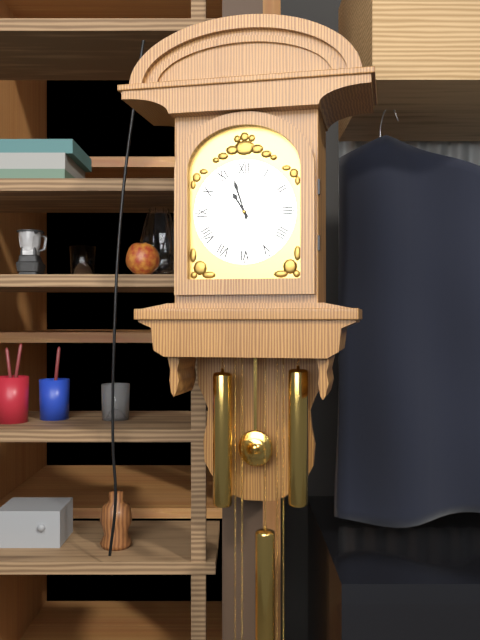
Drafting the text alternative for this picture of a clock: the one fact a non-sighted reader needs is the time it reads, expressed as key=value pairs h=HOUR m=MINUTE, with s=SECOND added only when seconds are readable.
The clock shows h=10 m=57
